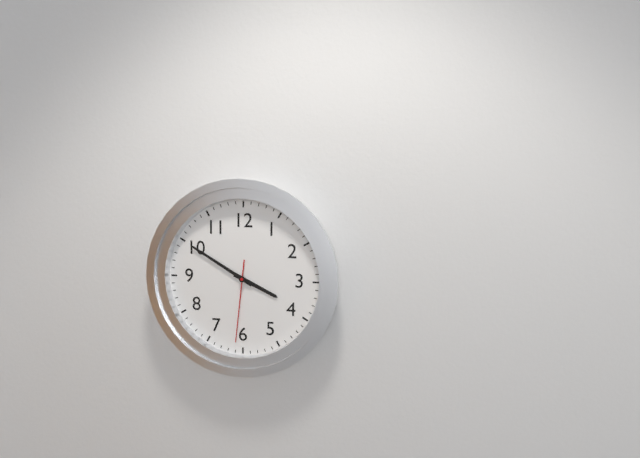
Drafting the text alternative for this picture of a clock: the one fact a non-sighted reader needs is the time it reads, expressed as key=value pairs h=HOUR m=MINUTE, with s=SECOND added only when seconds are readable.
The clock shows h=3 m=50 s=31
